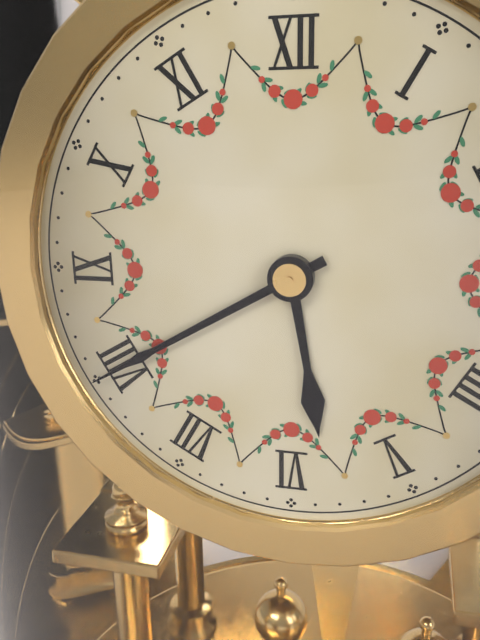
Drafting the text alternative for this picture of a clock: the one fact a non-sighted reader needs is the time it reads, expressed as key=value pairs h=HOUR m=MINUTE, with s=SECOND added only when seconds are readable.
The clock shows h=5 m=40
